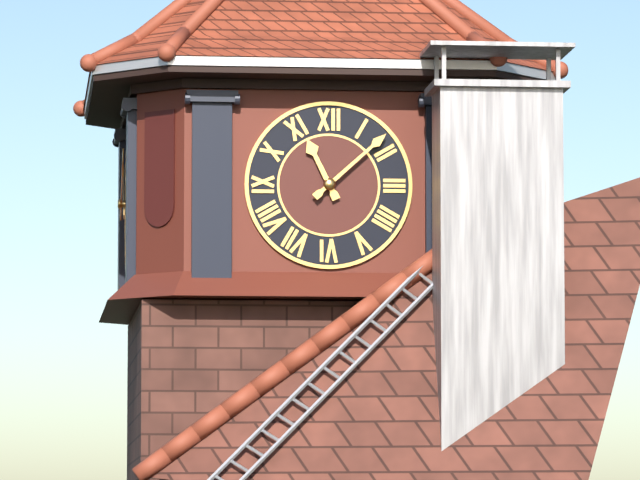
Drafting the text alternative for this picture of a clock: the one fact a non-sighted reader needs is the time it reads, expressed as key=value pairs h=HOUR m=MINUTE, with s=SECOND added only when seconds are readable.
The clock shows h=11 m=8
